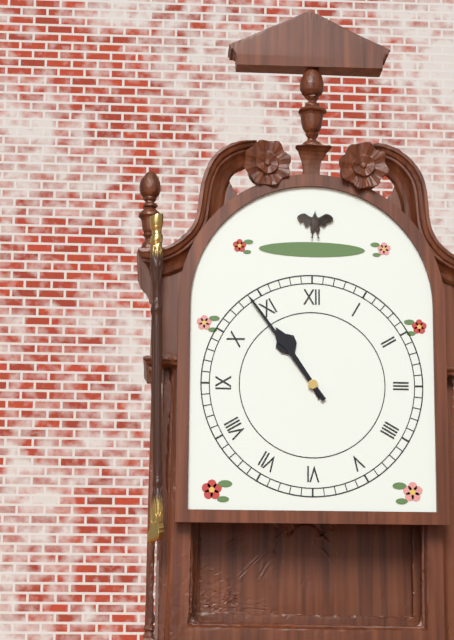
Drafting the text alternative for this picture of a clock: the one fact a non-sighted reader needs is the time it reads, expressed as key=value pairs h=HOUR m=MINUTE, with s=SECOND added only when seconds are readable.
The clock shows h=10 m=54
